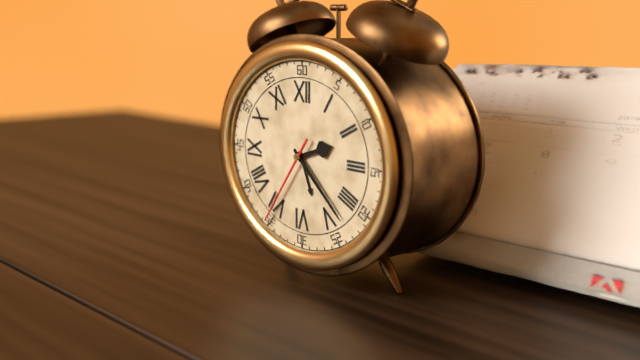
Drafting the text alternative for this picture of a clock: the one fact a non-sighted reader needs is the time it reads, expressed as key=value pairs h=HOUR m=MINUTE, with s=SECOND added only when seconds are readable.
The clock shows h=2 m=22 s=36
